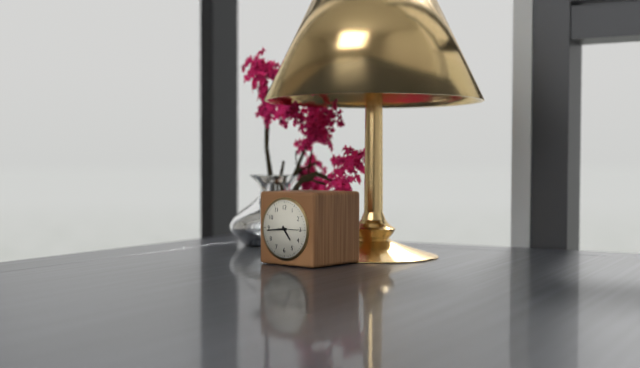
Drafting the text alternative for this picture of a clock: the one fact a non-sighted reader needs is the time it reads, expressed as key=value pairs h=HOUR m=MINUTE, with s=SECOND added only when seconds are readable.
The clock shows h=4 m=44
